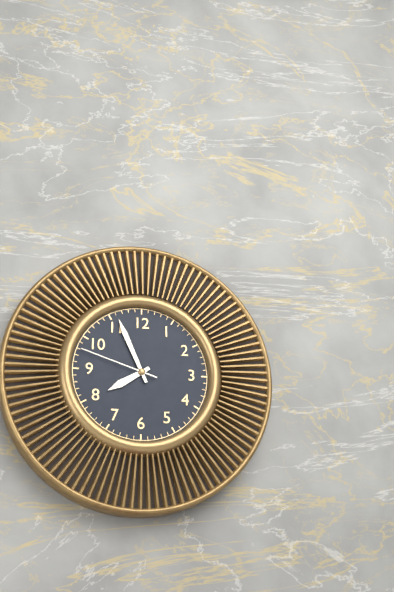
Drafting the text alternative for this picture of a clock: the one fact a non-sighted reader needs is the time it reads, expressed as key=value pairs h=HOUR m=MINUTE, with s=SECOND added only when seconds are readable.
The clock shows h=7 m=56 s=48
